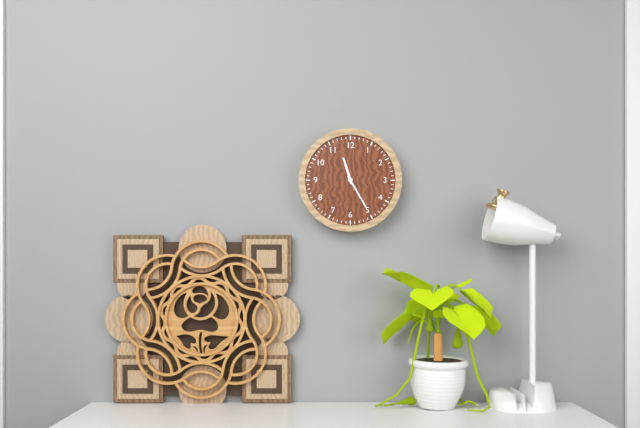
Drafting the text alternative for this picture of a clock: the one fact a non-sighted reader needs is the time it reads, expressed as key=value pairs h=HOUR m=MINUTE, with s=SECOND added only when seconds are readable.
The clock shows h=11 m=25
